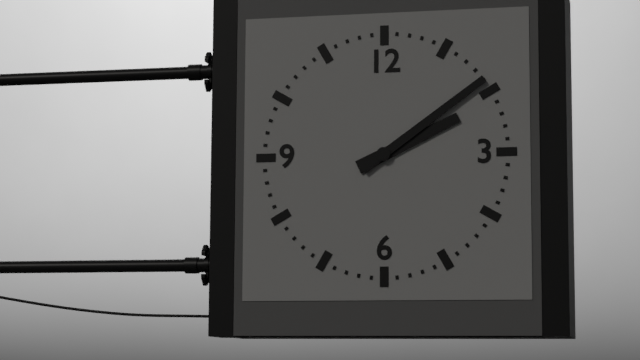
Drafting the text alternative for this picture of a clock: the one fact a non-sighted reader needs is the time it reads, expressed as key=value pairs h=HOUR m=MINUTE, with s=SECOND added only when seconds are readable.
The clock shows h=2 m=9
